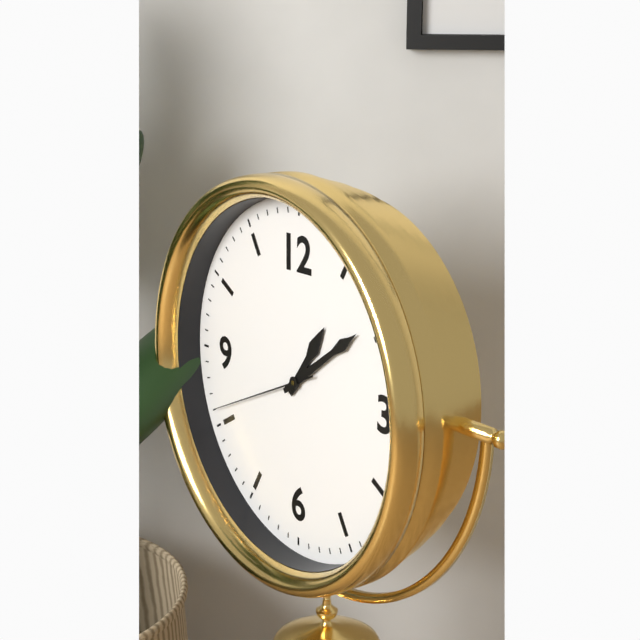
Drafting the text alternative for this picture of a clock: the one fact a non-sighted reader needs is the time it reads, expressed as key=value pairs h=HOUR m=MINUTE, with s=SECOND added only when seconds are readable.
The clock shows h=1 m=9 s=41
